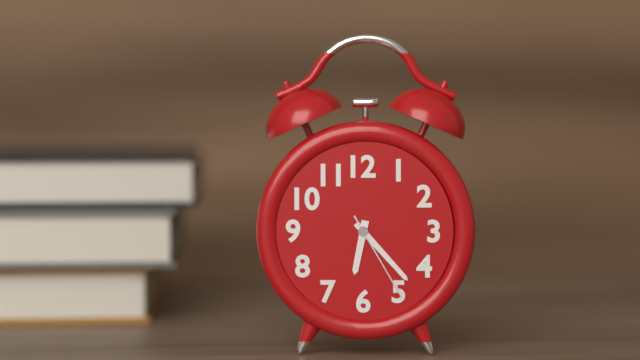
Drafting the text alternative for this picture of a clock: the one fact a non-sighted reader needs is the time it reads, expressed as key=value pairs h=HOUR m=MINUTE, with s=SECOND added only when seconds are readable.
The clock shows h=6 m=23 s=25
